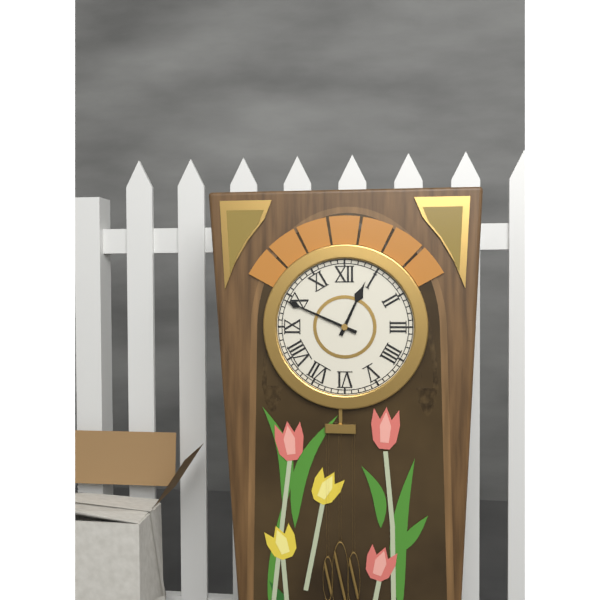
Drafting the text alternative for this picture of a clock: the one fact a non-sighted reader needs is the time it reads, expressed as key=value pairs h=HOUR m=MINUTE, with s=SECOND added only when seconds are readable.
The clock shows h=12 m=49
